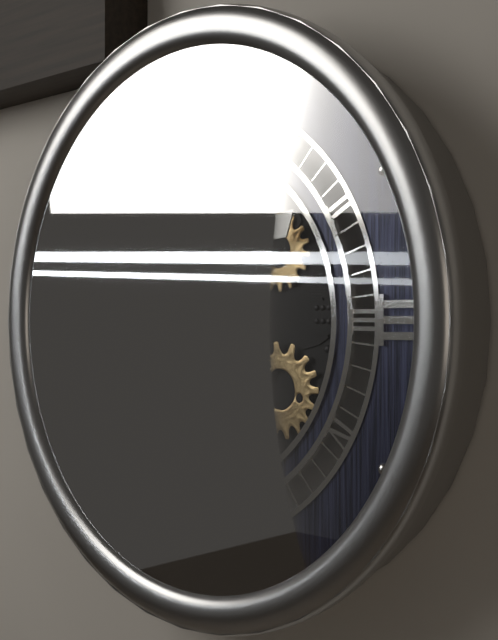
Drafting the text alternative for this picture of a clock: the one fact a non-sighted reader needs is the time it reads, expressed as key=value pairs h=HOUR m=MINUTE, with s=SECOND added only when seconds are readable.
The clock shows h=1 m=41
